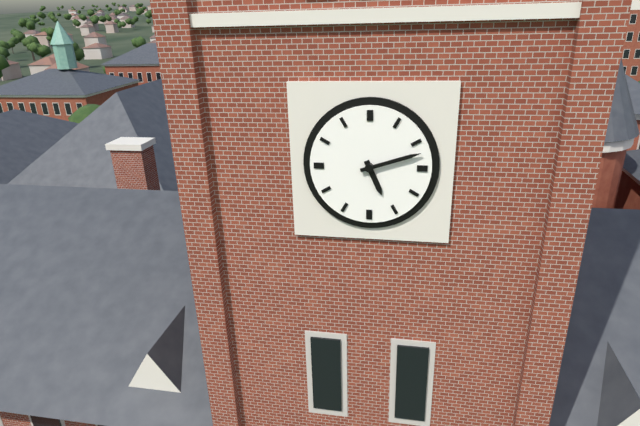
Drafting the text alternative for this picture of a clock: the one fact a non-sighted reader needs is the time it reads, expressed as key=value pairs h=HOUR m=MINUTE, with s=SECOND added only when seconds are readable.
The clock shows h=5 m=12
